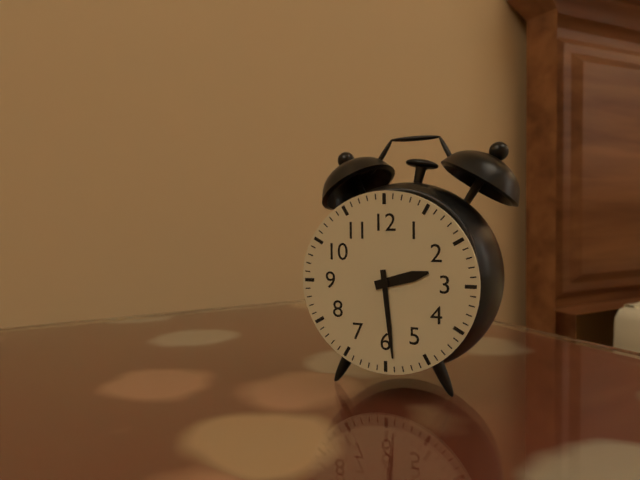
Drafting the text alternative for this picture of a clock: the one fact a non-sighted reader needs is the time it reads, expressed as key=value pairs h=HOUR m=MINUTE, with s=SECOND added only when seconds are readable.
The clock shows h=2 m=29
